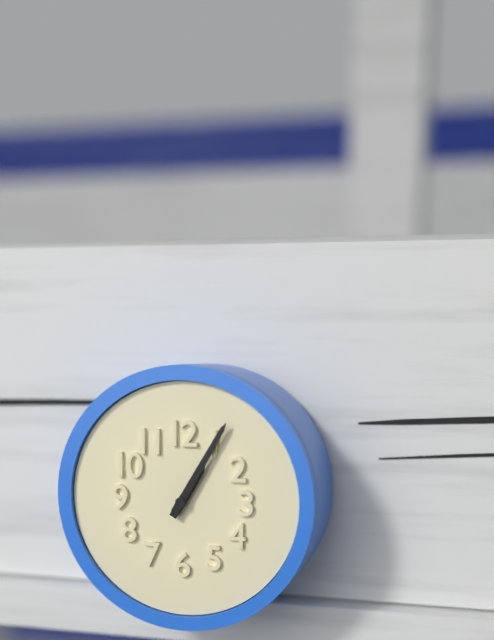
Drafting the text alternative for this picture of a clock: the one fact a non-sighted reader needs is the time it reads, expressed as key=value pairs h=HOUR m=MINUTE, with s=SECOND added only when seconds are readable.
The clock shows h=1 m=5
